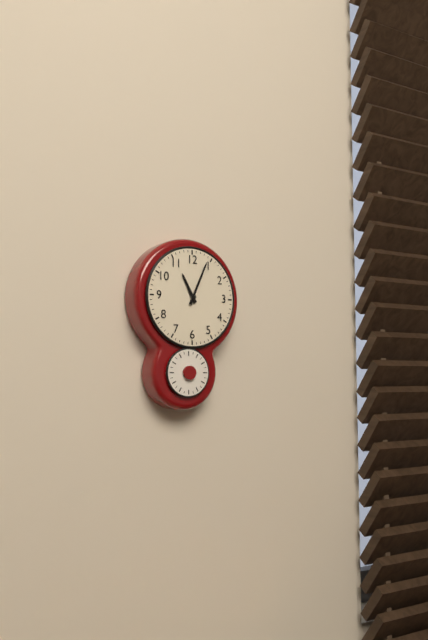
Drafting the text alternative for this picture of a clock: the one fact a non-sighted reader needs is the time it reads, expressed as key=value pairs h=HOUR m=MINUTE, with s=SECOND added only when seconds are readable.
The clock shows h=11 m=4
